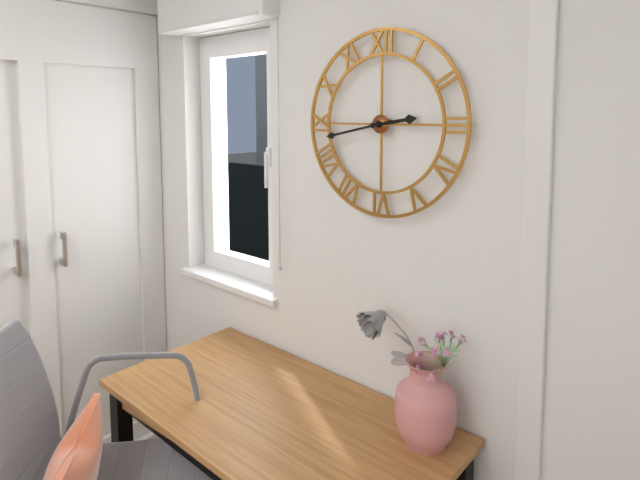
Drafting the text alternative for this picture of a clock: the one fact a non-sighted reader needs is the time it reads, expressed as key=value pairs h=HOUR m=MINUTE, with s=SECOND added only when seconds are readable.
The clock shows h=2 m=43
